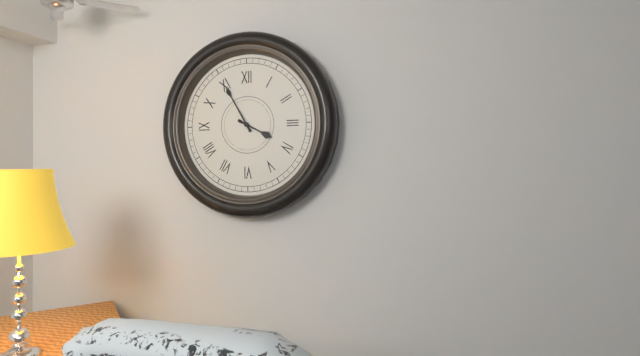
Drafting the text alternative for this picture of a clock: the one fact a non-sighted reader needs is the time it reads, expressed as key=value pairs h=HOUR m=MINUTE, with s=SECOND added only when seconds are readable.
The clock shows h=3 m=55
